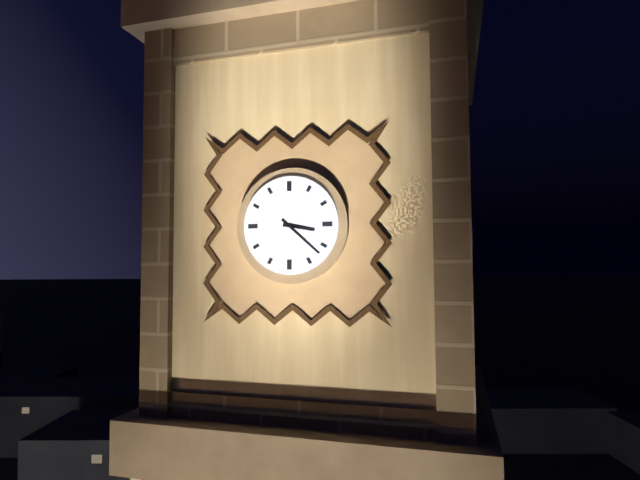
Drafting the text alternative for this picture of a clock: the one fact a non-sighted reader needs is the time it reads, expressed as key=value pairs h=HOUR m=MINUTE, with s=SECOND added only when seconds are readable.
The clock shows h=3 m=22
